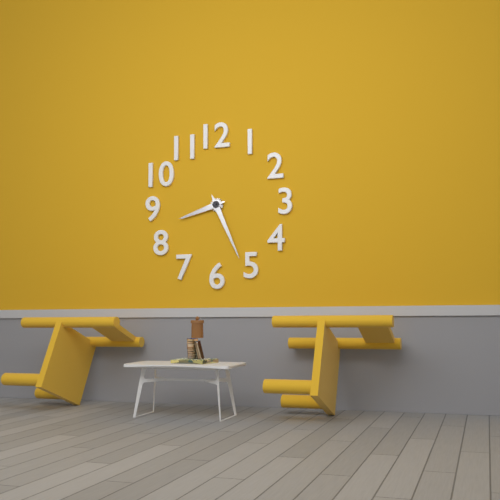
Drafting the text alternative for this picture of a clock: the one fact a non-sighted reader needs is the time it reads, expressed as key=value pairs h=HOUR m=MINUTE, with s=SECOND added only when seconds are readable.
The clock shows h=8 m=26
